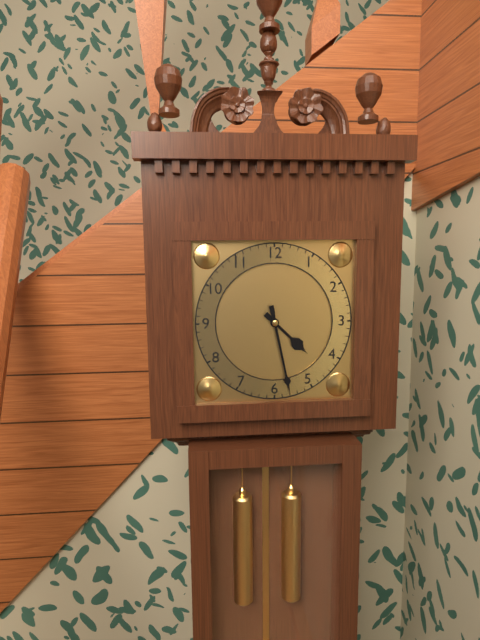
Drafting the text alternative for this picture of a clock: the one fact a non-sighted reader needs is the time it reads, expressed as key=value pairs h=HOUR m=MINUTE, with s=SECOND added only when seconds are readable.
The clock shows h=4 m=28
